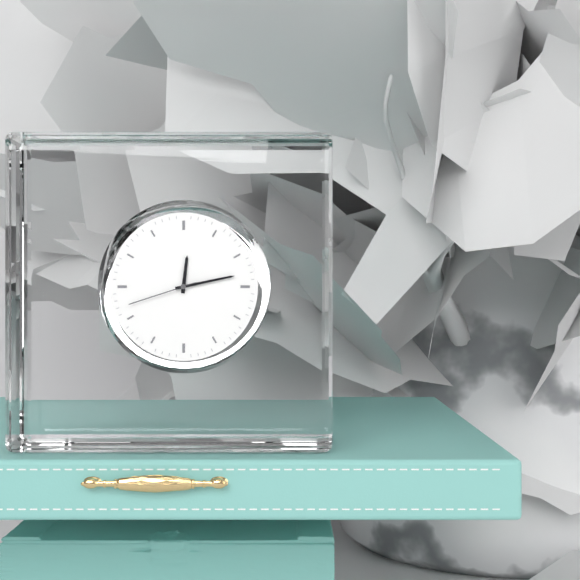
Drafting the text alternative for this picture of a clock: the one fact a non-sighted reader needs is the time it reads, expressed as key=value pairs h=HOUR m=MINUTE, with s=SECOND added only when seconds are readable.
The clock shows h=12 m=13 s=42
